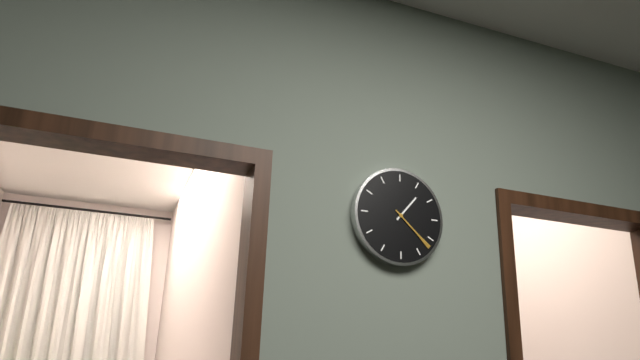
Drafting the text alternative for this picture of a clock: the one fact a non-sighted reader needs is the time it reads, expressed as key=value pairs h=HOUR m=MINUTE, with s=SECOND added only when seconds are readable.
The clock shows h=1 m=22
